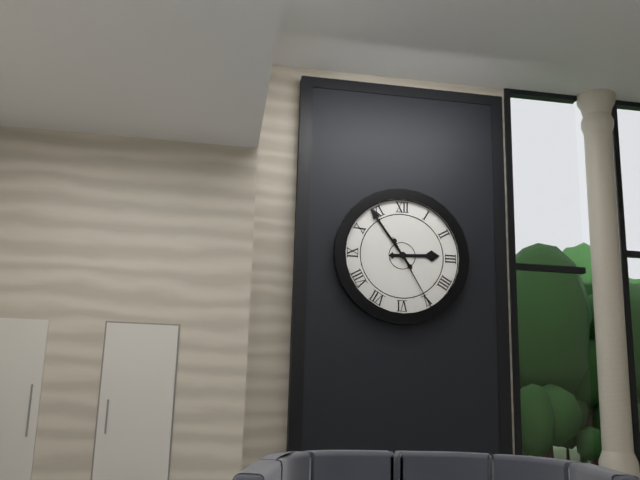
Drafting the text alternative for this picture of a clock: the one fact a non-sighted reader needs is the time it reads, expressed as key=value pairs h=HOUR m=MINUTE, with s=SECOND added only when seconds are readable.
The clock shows h=2 m=54 s=25
